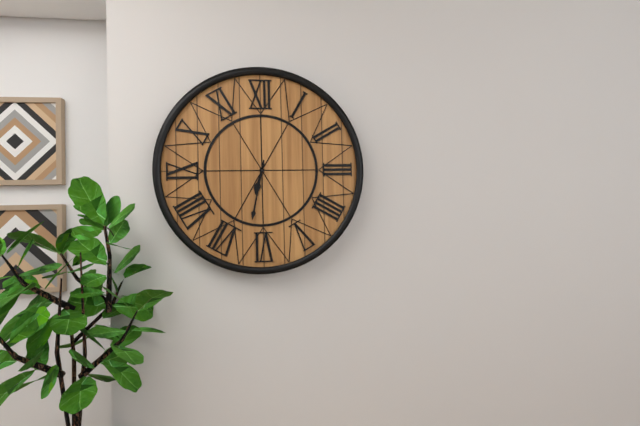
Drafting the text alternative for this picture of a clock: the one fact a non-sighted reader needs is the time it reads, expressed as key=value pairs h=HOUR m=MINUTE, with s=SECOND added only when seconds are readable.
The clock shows h=6 m=32
